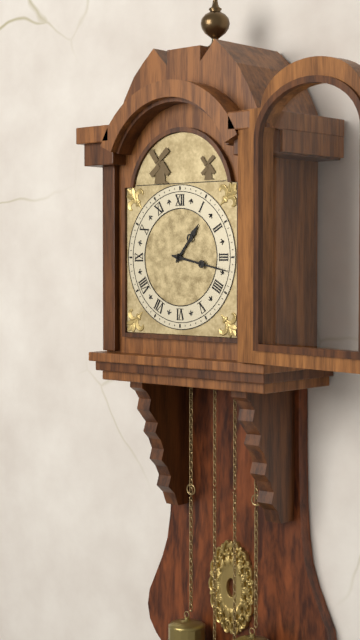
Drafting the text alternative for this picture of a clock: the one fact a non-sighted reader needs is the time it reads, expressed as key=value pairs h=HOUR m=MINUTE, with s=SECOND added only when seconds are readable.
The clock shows h=1 m=17
